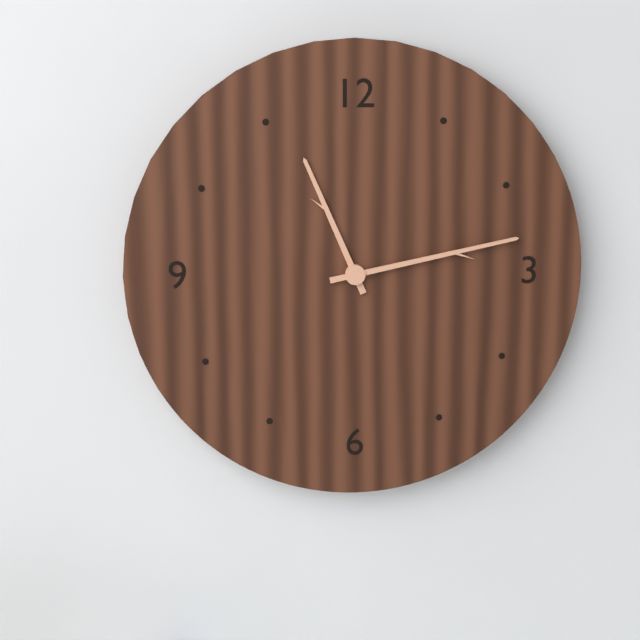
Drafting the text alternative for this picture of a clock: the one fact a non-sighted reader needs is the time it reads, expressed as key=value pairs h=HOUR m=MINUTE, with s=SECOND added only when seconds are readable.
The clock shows h=11 m=13
